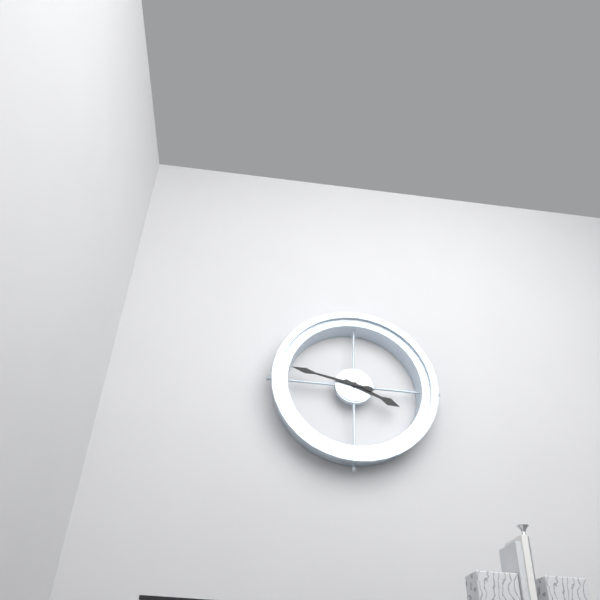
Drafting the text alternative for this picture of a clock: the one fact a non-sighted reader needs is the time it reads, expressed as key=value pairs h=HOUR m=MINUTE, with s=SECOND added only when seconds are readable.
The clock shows h=3 m=47
